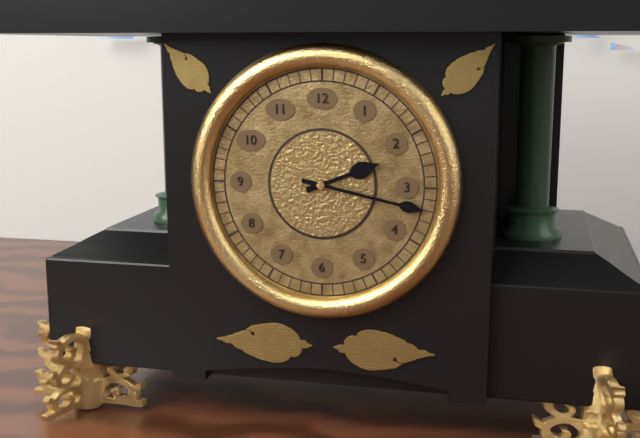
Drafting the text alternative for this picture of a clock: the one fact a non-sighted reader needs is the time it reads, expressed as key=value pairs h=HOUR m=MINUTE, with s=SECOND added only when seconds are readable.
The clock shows h=2 m=17
